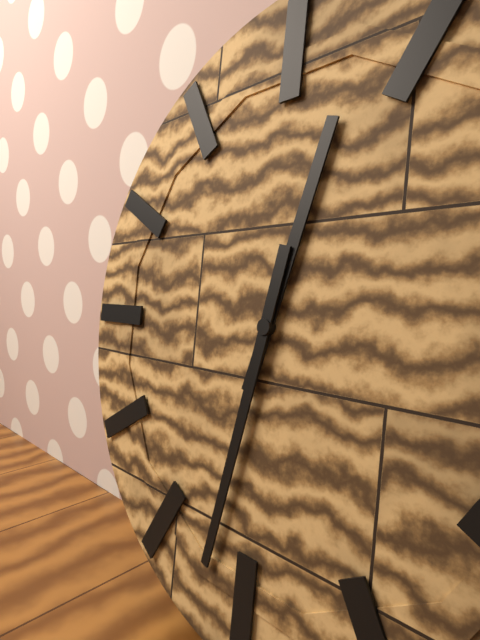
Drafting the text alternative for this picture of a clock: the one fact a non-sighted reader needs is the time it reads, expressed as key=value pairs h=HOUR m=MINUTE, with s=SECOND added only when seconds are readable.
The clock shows h=12 m=32
